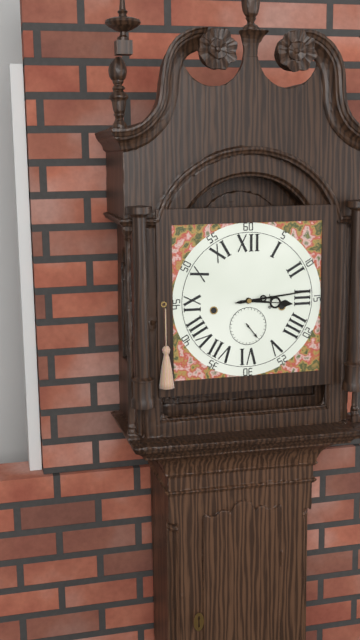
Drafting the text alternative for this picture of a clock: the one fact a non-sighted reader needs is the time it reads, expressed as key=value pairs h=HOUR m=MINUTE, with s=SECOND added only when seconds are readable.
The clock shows h=3 m=14
